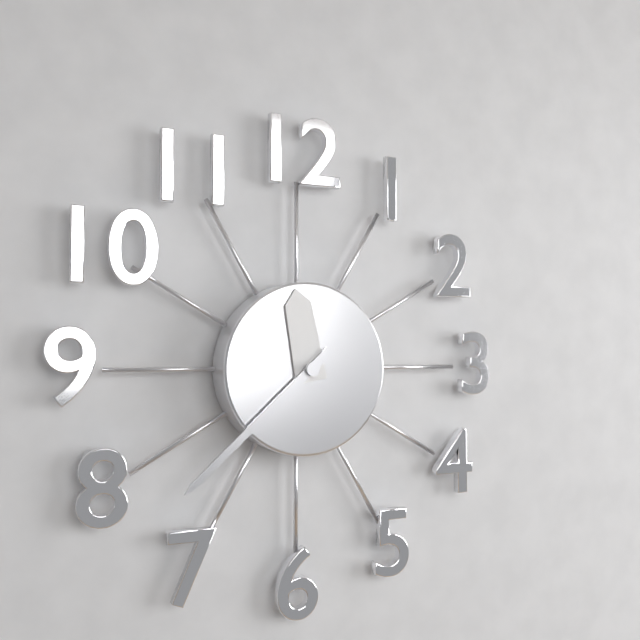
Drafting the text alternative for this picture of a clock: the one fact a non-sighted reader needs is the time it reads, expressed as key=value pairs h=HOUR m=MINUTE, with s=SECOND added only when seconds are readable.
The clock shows h=11 m=38
